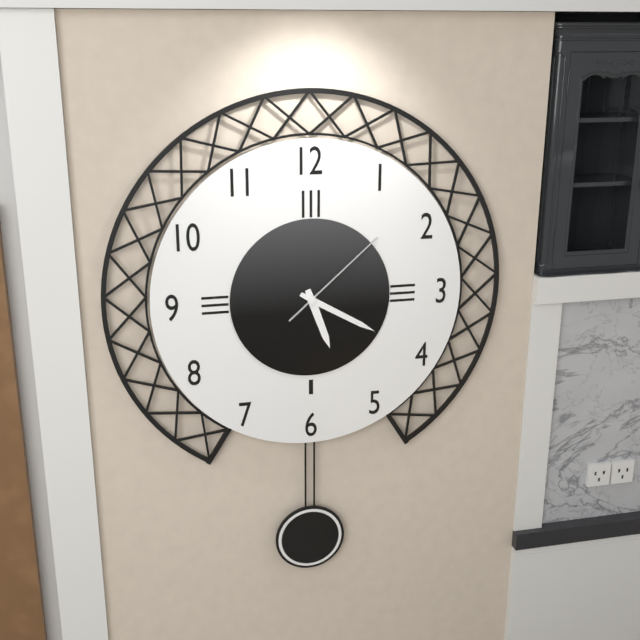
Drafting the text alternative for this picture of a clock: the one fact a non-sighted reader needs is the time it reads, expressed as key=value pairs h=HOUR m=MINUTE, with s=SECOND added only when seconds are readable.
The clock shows h=5 m=20 s=8
